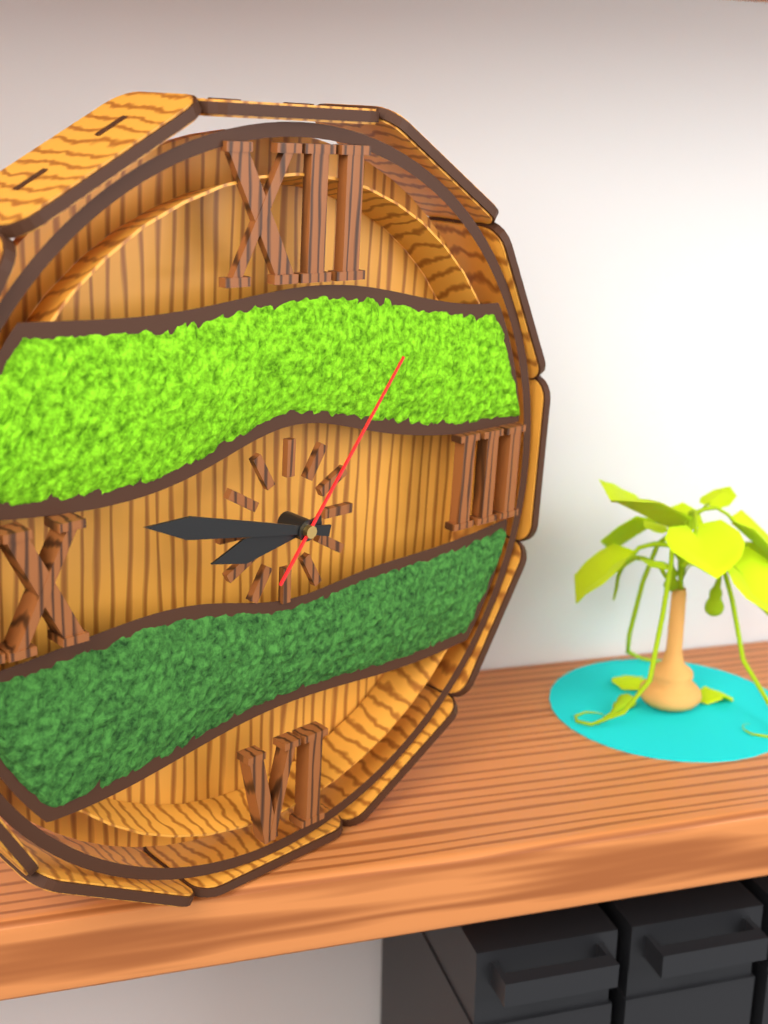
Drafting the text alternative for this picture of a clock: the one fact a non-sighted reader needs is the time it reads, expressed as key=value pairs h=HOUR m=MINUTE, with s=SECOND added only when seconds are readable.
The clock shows h=8 m=47 s=6
